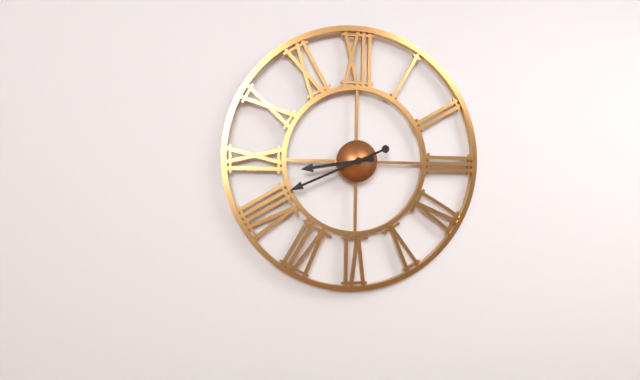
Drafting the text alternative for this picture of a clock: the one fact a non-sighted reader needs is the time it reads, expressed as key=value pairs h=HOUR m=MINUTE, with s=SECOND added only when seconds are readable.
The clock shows h=8 m=41
